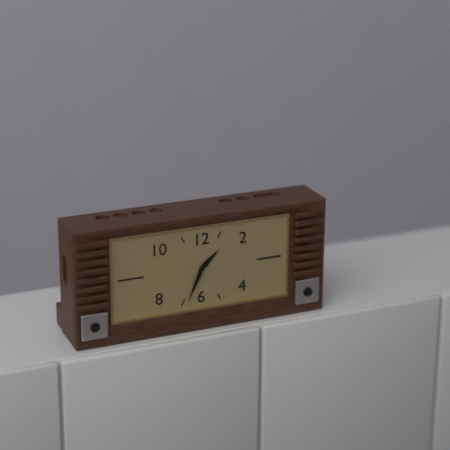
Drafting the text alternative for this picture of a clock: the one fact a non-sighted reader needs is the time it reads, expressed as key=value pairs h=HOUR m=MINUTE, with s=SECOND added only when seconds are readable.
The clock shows h=1 m=34
